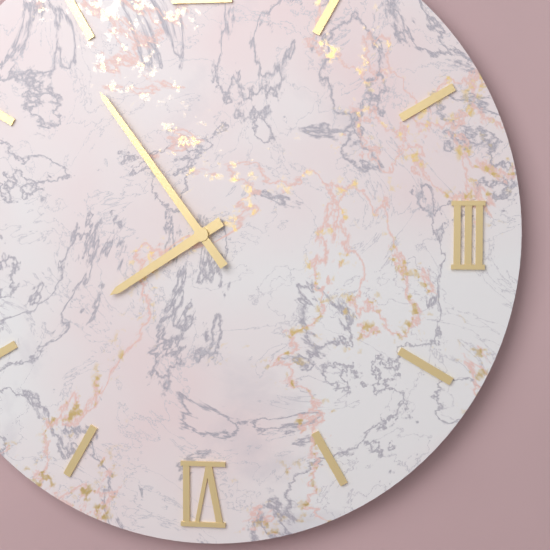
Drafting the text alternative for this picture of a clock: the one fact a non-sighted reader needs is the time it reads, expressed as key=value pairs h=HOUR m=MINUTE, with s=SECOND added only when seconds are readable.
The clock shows h=7 m=54
